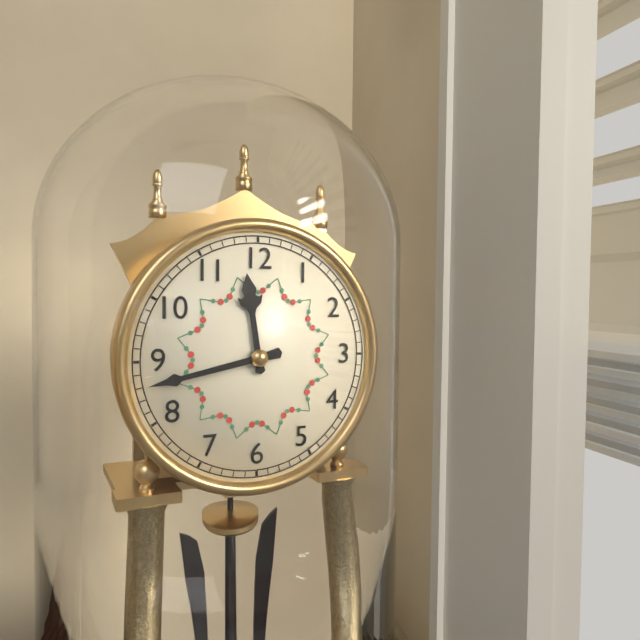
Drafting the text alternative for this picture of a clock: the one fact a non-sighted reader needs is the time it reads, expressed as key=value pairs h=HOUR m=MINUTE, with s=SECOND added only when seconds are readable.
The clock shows h=11 m=43
